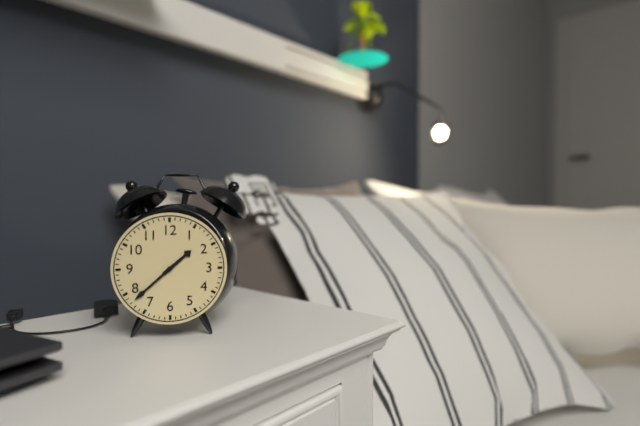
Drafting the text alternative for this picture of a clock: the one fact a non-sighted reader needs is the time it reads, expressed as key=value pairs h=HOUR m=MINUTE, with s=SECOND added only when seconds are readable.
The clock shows h=1 m=38
